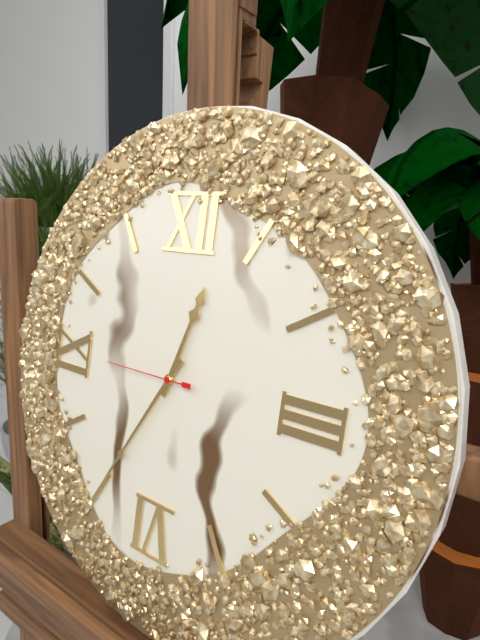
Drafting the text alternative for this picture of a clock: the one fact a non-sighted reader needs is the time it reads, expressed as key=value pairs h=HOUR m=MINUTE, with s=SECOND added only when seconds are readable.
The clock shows h=12 m=35 s=45
